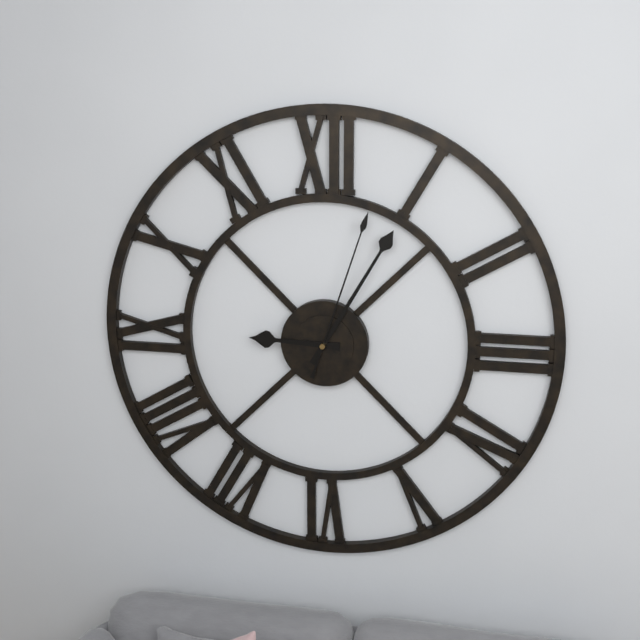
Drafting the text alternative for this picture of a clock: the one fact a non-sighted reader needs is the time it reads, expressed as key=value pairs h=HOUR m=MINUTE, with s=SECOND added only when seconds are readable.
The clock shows h=9 m=5 s=3
